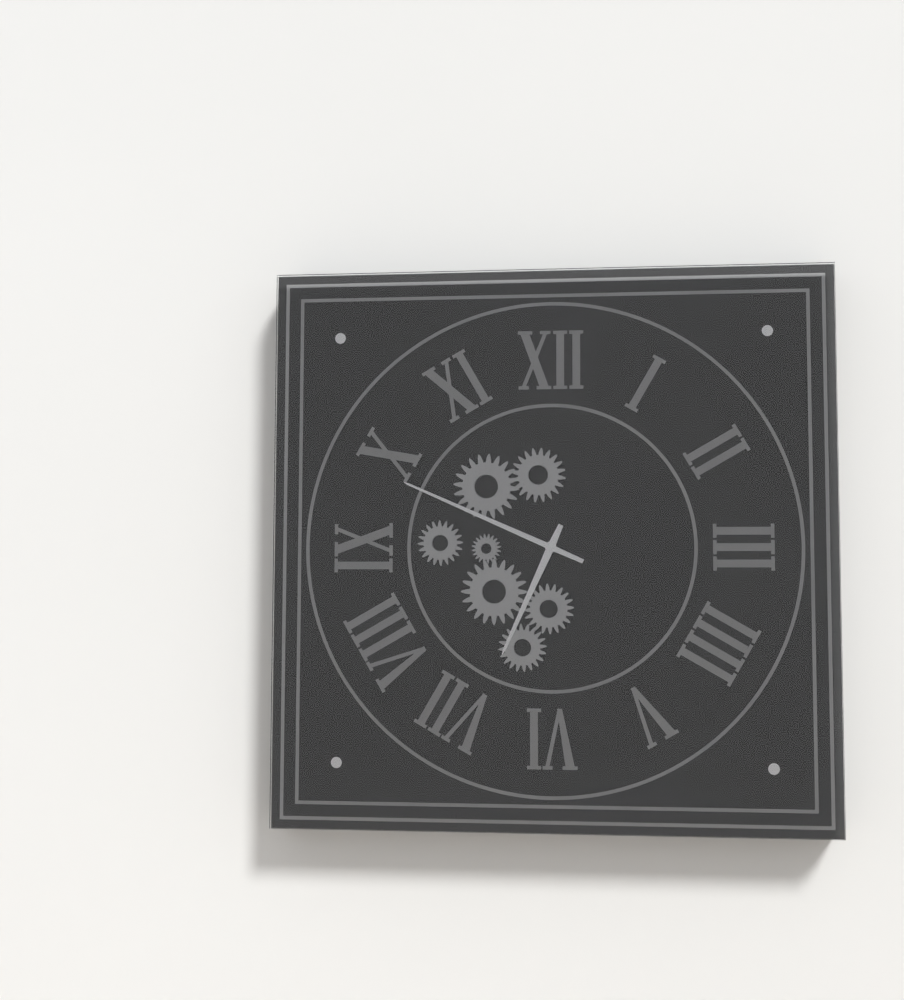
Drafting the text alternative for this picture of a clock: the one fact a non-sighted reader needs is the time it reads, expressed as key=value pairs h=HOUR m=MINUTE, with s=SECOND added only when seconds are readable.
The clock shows h=6 m=49
